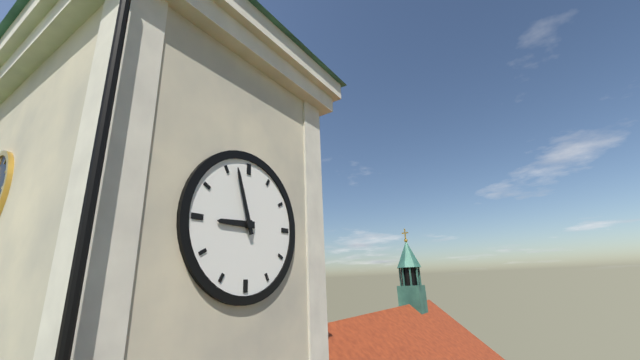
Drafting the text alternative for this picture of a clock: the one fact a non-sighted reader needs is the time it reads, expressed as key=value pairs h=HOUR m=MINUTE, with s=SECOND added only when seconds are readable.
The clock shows h=8 m=57
